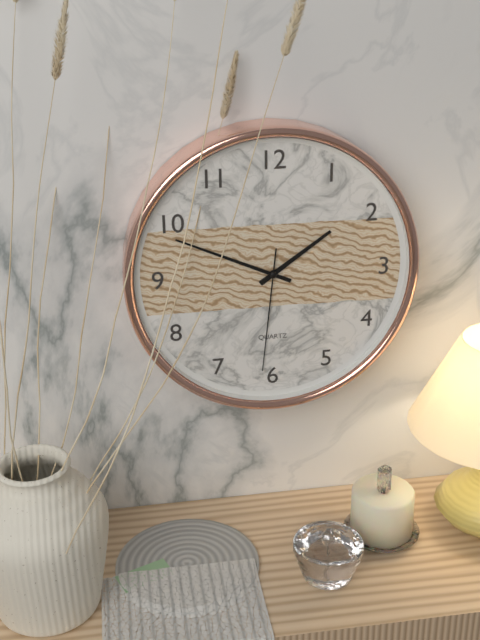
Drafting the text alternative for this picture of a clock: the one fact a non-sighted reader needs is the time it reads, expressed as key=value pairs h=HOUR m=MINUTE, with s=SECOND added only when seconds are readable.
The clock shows h=1 m=49 s=31
